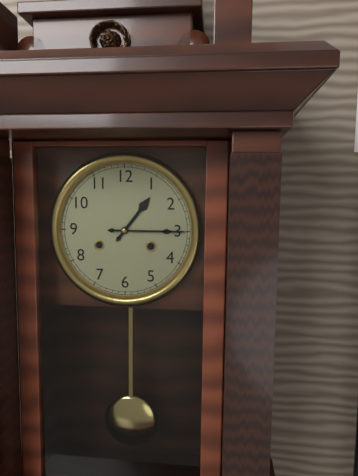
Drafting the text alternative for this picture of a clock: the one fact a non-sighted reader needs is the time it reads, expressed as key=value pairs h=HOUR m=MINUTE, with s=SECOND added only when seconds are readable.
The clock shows h=1 m=15
